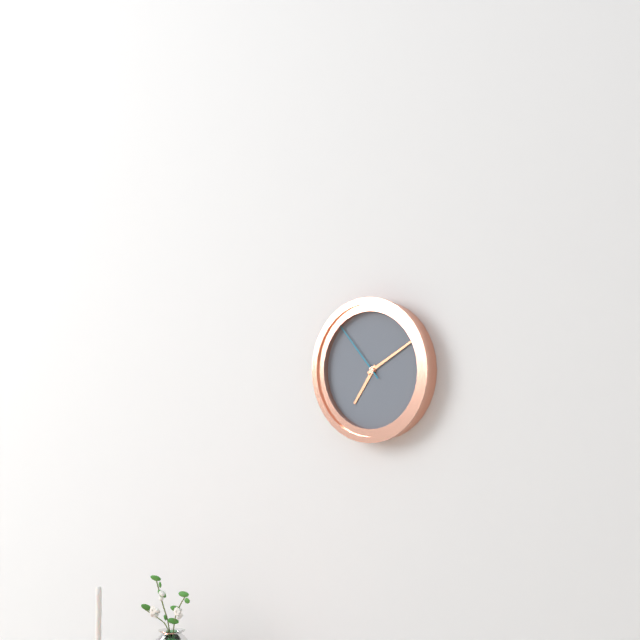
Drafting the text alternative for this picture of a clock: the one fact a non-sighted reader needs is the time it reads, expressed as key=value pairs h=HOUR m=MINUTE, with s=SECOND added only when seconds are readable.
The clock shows h=7 m=10 s=53
